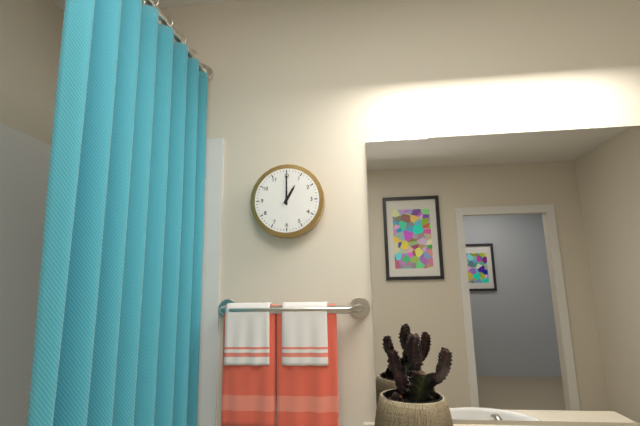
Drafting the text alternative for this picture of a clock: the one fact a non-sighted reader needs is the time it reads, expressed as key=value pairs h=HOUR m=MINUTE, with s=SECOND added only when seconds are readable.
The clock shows h=1 m=0
